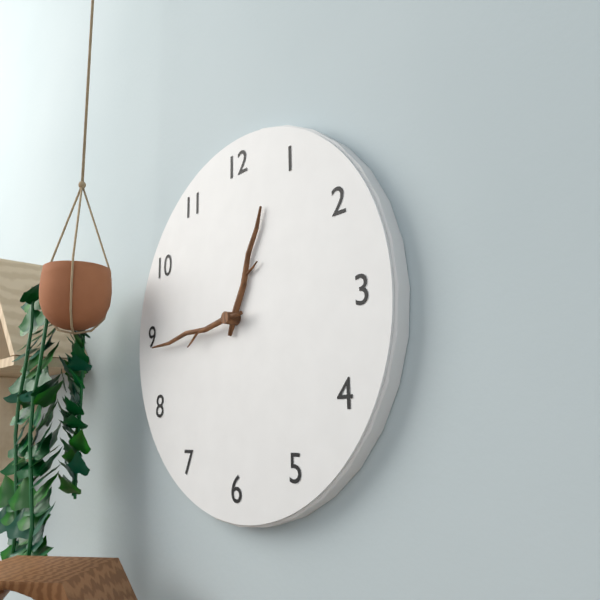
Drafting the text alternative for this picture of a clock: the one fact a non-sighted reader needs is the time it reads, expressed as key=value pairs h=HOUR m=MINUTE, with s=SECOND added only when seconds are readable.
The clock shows h=12 m=44
